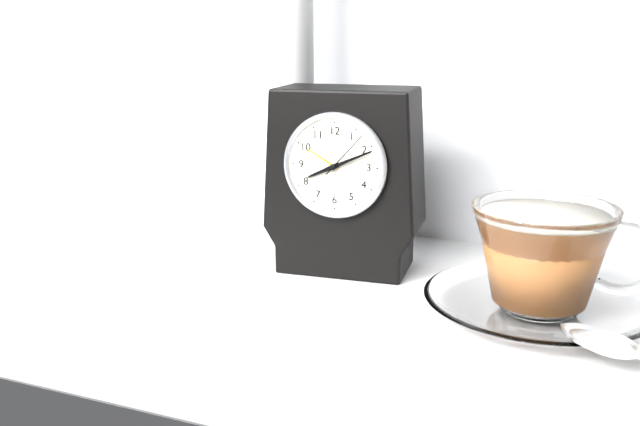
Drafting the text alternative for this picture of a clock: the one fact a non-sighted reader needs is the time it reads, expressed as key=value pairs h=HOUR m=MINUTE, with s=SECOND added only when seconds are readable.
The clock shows h=8 m=11 s=7
